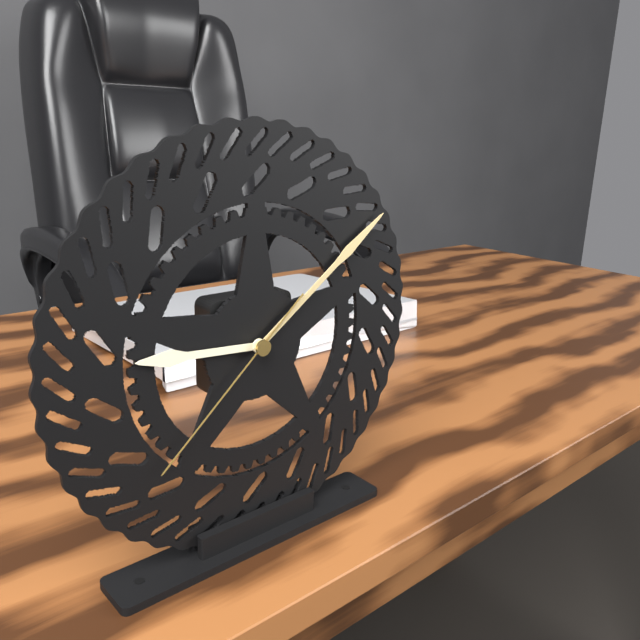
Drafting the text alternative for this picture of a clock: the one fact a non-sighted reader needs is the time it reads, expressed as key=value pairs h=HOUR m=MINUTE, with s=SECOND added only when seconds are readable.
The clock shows h=9 m=9 s=38
